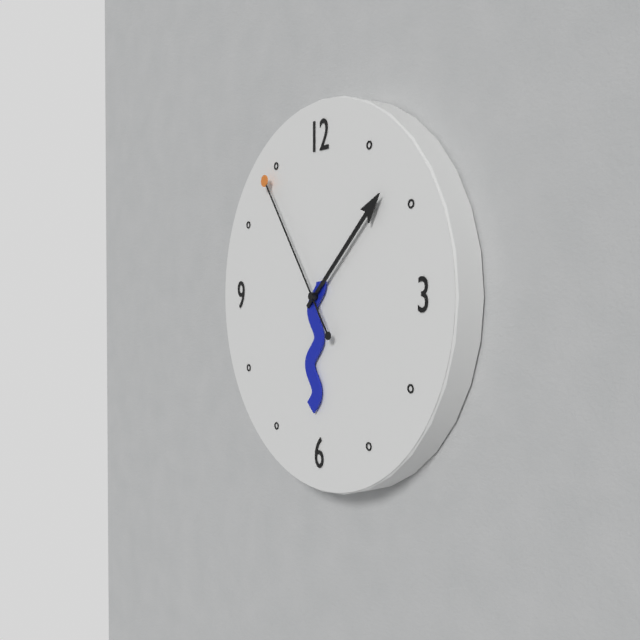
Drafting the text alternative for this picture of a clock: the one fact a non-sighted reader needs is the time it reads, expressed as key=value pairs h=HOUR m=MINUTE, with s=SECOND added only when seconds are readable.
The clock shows h=6 m=8 s=54
